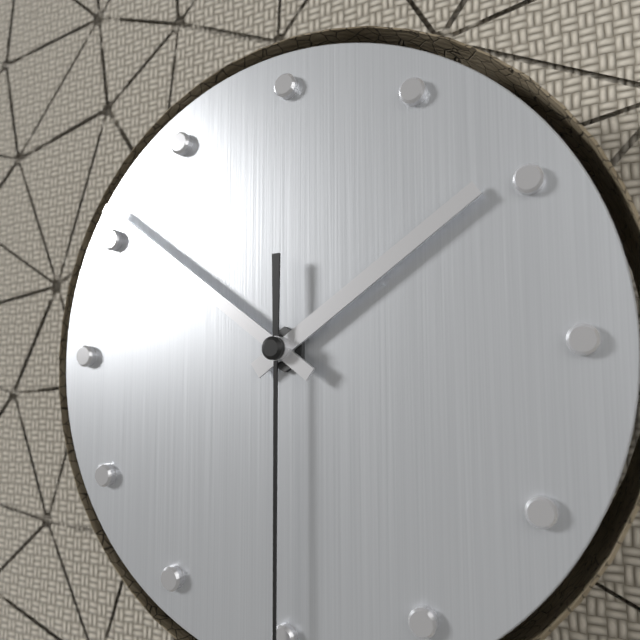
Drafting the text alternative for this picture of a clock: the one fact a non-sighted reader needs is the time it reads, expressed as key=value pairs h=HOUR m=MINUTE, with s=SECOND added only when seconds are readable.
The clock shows h=1 m=51
